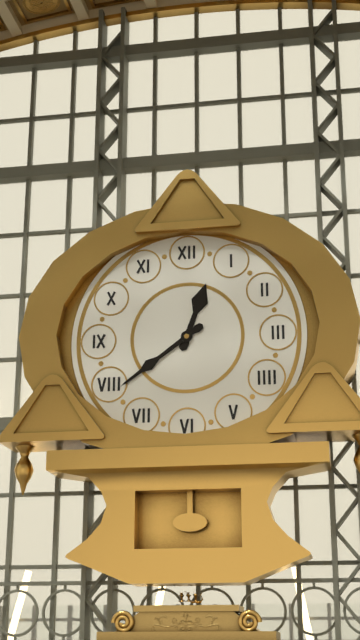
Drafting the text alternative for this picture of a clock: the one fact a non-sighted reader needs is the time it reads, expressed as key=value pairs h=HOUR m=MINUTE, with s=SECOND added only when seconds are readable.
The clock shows h=12 m=39
